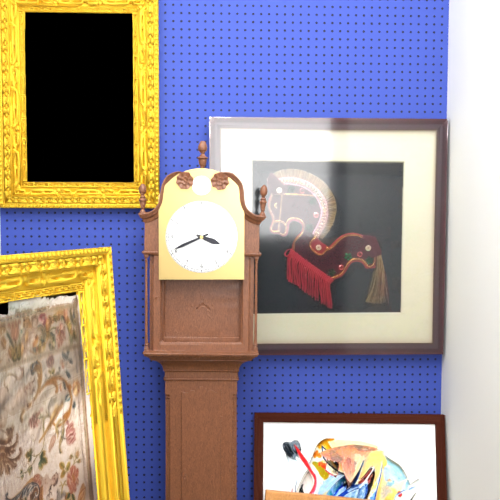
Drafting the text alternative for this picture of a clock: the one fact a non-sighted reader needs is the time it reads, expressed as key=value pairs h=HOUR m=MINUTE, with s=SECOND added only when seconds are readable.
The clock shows h=3 m=41
